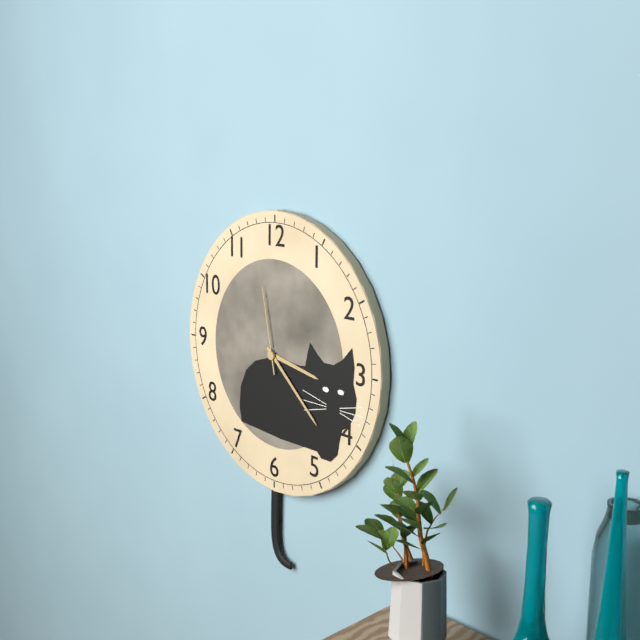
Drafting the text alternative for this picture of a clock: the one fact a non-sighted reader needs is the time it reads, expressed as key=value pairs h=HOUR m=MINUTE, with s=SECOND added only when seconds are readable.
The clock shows h=3 m=22 s=58
